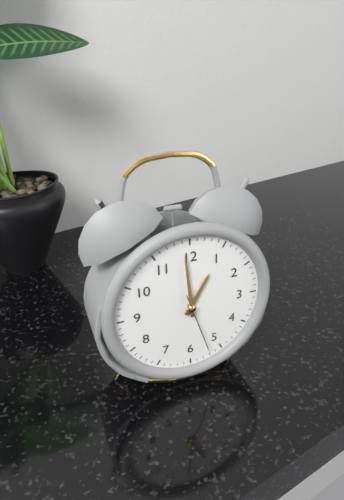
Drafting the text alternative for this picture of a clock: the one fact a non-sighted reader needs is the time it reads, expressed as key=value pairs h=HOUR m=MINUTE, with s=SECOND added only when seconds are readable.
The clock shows h=12 m=59 s=27
